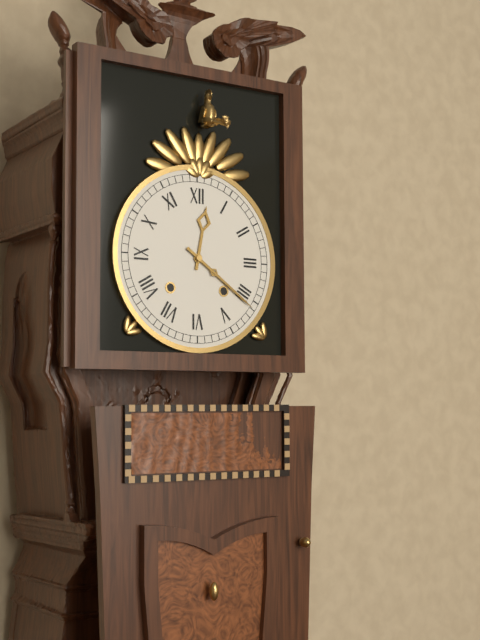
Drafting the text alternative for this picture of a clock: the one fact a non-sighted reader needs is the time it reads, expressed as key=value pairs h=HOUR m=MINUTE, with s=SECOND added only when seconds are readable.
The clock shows h=12 m=21
